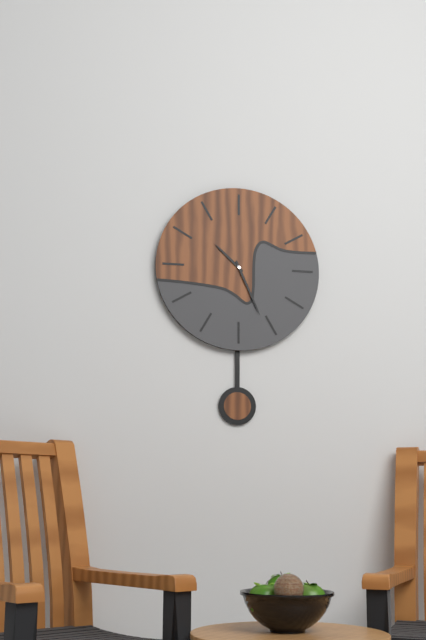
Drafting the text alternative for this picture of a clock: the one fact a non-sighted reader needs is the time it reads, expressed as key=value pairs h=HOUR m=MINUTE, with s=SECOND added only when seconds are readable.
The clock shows h=10 m=26
